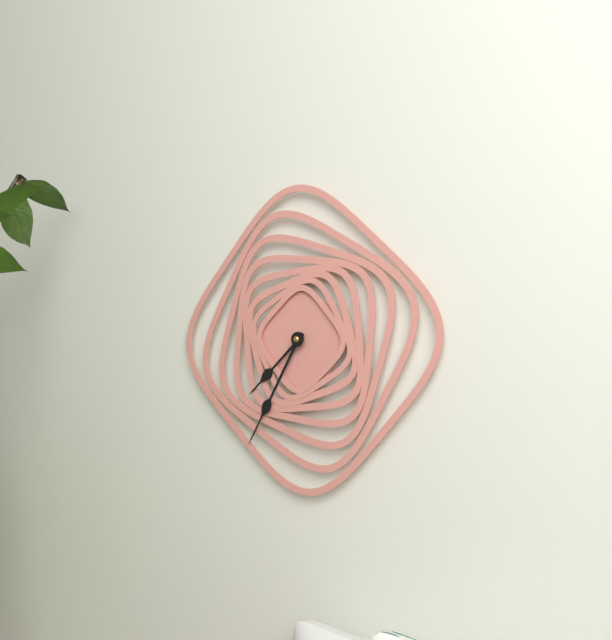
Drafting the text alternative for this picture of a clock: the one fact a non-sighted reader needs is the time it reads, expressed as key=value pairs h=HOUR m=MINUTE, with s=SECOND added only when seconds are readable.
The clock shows h=7 m=35
